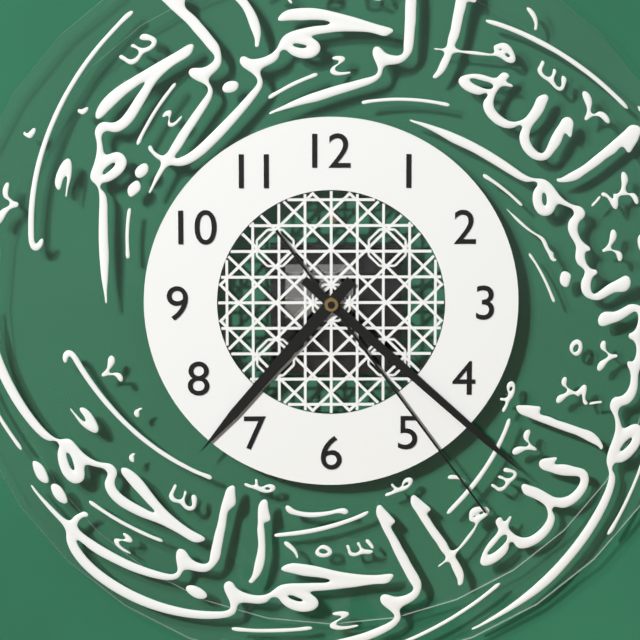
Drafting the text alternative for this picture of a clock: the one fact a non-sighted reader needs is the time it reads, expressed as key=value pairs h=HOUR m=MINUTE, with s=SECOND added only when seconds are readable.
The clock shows h=7 m=22 s=24
